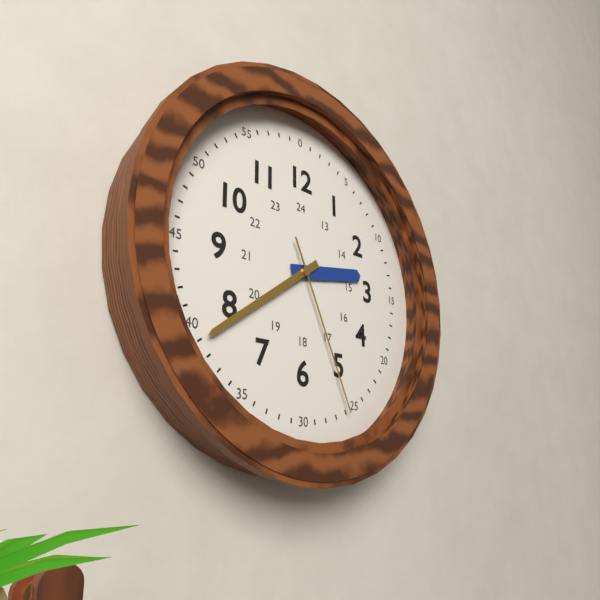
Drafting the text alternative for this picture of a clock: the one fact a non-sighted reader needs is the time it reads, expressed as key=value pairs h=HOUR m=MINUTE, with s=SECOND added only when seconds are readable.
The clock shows h=2 m=39 s=26
